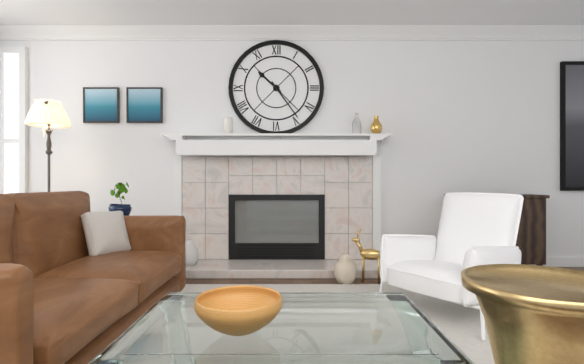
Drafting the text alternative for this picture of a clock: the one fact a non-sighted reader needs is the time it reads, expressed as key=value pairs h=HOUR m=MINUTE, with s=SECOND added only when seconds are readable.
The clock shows h=10 m=24
